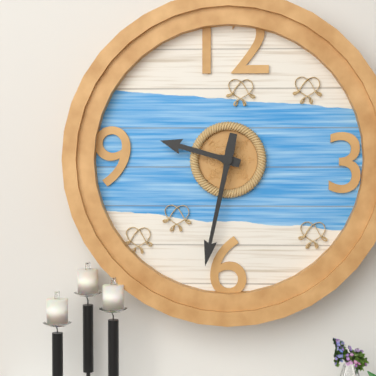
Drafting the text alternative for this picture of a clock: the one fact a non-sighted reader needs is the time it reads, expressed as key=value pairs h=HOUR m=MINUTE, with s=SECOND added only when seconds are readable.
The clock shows h=9 m=32
